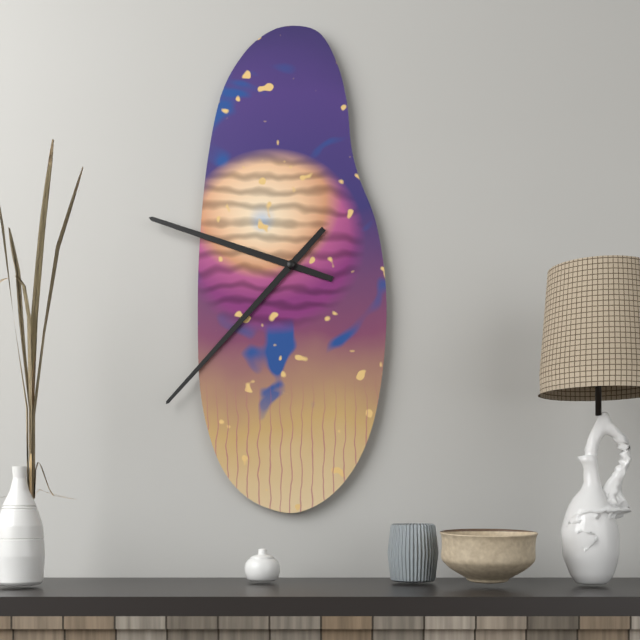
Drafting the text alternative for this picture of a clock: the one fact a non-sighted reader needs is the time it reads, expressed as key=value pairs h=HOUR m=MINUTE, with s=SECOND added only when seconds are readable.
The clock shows h=9 m=37
